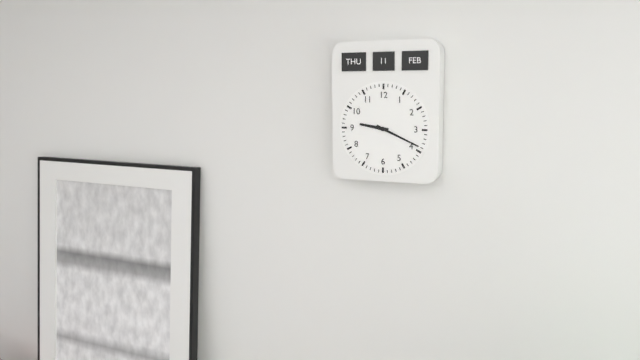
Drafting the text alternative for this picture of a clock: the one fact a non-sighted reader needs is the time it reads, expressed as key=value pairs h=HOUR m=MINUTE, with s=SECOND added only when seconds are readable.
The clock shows h=9 m=19
